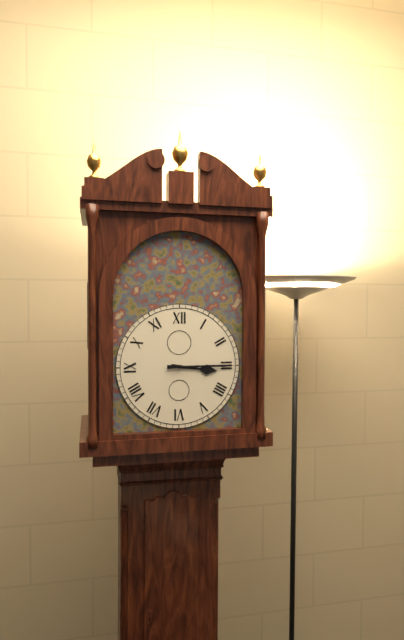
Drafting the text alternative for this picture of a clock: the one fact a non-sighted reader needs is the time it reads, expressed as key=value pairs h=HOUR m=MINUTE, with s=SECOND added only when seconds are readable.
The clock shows h=3 m=15
